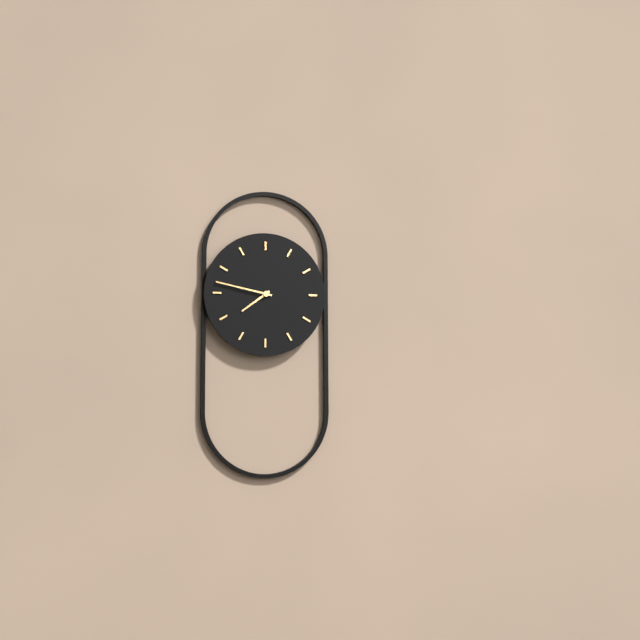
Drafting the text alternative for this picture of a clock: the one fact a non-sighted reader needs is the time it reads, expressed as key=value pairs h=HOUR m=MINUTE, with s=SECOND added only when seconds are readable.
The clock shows h=7 m=47
